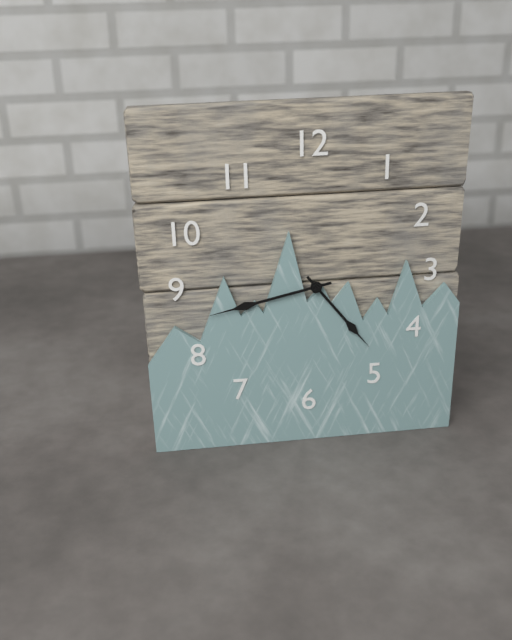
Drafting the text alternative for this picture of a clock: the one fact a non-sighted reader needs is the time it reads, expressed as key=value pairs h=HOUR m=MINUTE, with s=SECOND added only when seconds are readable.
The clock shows h=4 m=43
